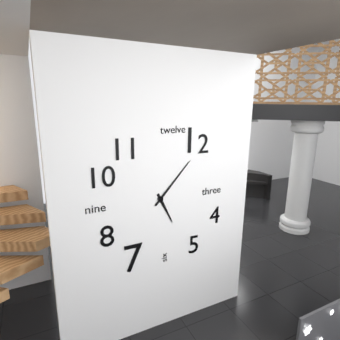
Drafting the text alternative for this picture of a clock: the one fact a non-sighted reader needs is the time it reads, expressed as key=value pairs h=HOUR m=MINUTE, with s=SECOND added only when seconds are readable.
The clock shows h=5 m=7
